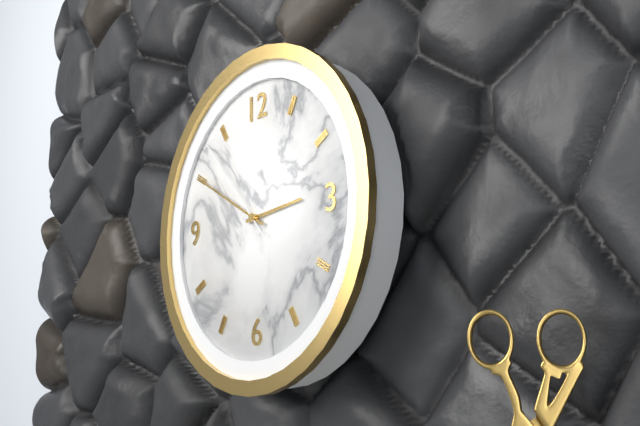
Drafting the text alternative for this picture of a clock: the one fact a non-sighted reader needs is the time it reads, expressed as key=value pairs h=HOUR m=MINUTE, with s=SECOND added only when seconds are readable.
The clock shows h=2 m=50 s=53
